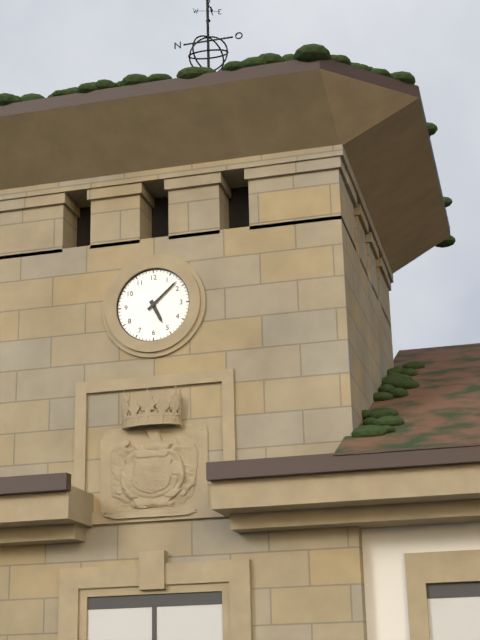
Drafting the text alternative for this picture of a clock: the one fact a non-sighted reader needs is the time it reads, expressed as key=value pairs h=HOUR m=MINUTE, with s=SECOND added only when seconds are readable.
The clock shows h=5 m=8
